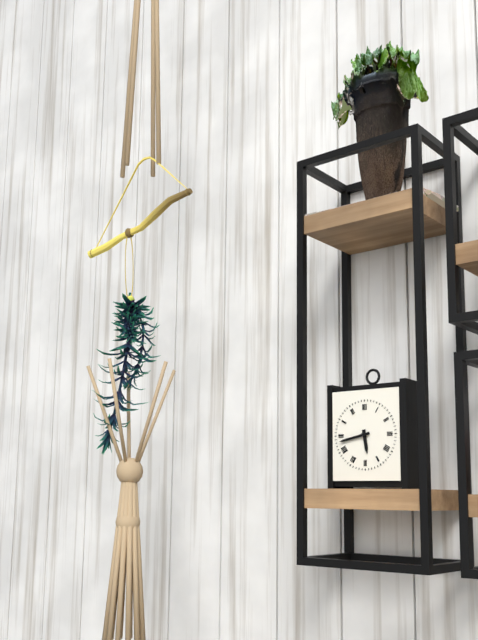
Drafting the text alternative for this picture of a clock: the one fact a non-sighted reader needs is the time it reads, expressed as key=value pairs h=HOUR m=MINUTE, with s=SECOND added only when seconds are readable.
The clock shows h=5 m=43
